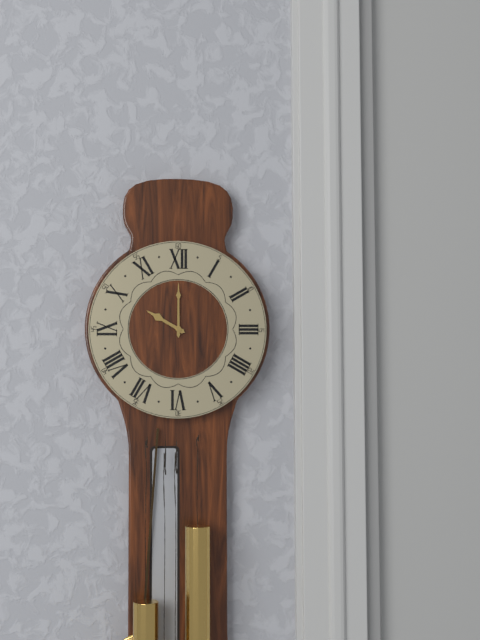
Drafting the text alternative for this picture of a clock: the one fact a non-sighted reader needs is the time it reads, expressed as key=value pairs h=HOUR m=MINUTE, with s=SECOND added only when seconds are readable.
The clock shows h=10 m=0
